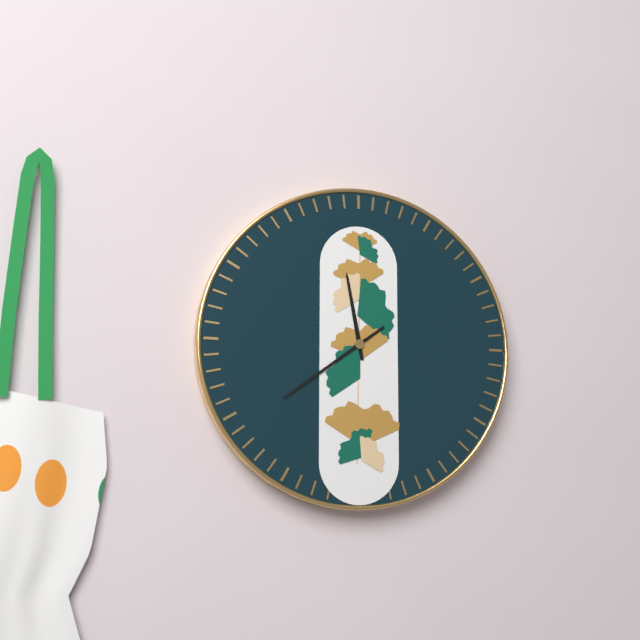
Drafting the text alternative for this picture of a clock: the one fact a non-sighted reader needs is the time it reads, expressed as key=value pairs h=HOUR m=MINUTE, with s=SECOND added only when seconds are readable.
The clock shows h=11 m=39
